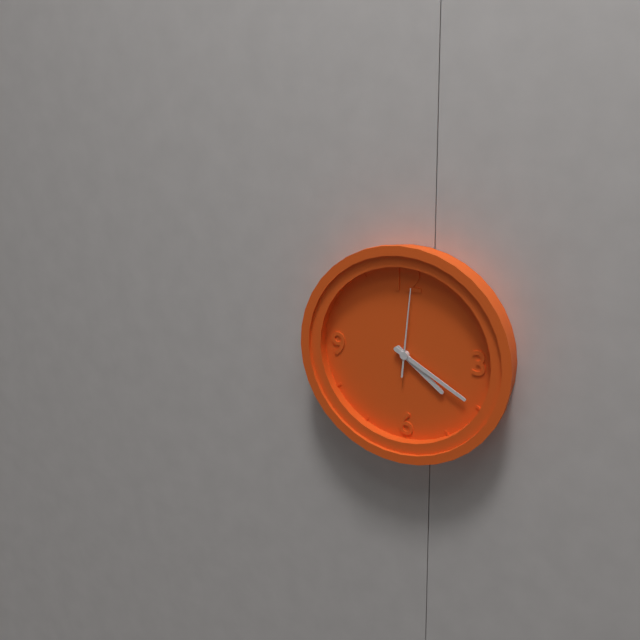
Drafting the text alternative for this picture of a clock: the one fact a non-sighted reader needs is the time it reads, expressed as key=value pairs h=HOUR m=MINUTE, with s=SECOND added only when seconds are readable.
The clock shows h=4 m=20 s=1
